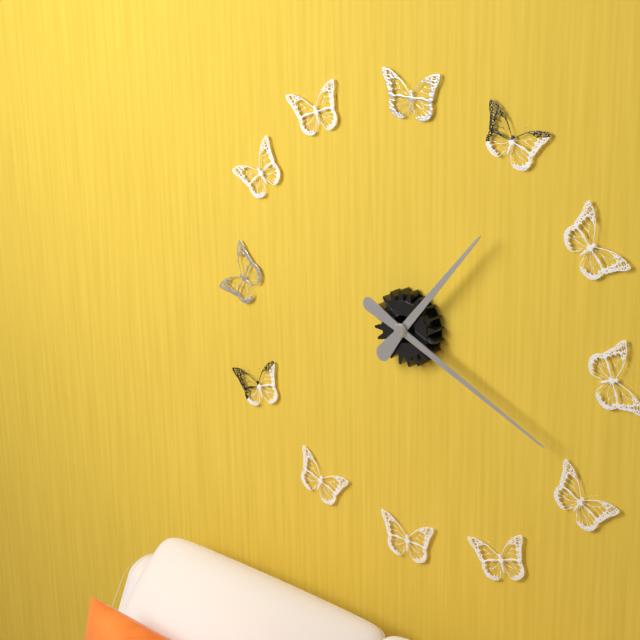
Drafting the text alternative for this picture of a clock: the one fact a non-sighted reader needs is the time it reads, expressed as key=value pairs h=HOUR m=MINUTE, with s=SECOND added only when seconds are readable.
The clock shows h=1 m=19
